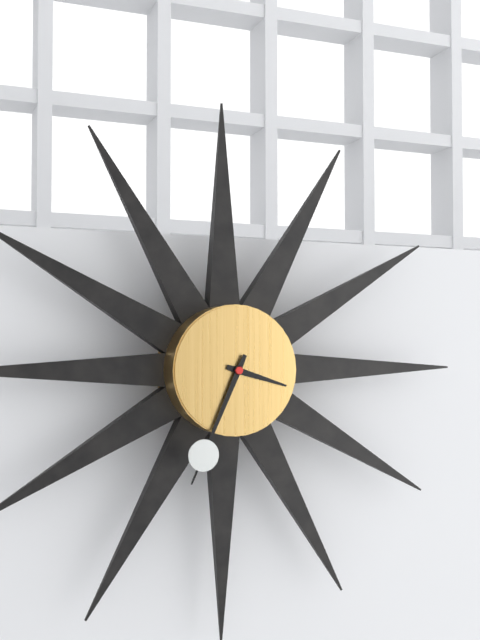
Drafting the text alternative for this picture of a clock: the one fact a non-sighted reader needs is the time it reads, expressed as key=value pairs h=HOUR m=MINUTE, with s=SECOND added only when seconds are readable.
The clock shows h=3 m=34
